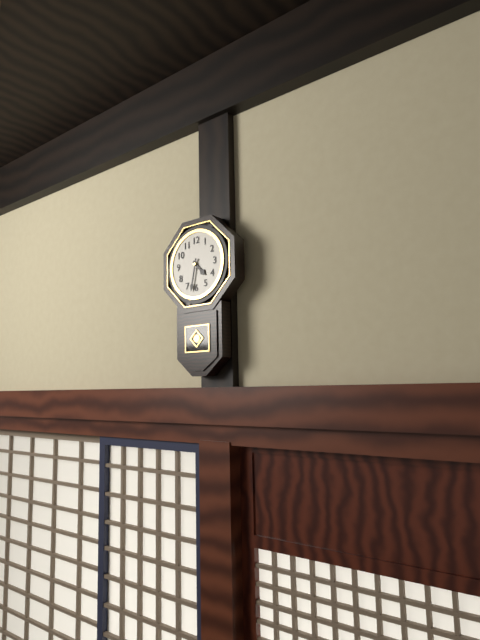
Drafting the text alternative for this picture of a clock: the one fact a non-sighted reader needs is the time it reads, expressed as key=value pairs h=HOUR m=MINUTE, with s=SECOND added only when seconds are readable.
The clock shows h=4 m=32
